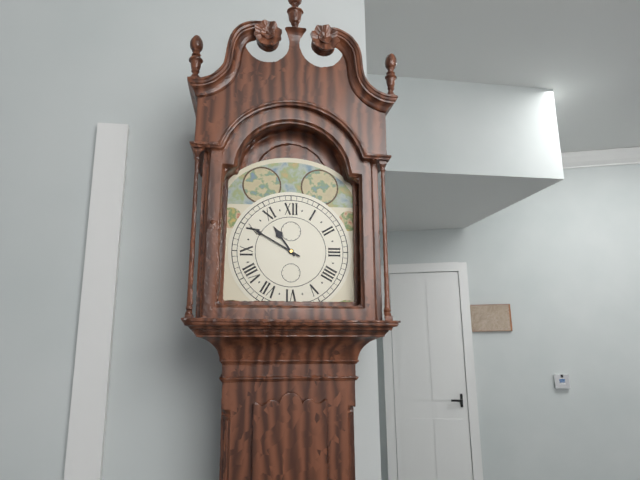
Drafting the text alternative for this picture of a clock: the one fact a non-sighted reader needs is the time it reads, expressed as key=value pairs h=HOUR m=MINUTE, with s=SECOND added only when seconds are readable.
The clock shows h=10 m=50
